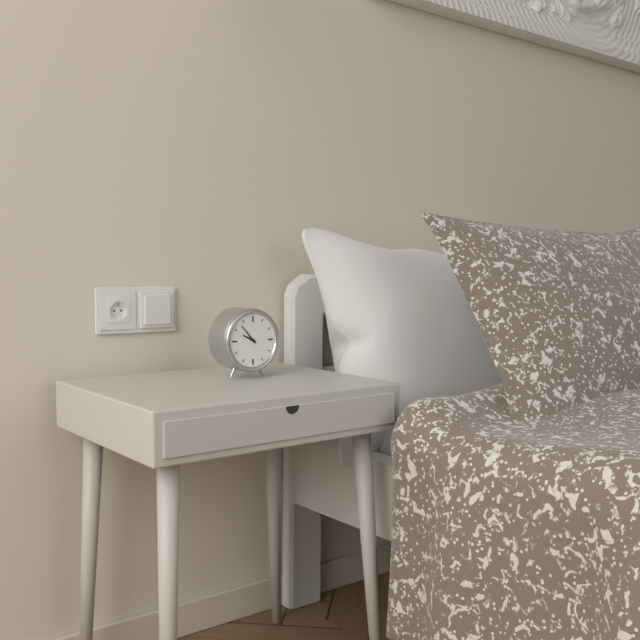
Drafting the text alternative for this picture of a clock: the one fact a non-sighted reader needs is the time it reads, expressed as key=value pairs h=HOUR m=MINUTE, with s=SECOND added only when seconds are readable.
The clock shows h=9 m=53
